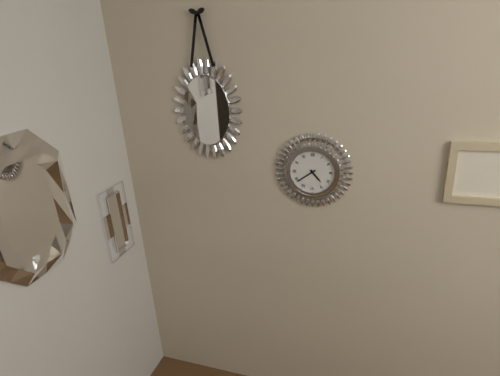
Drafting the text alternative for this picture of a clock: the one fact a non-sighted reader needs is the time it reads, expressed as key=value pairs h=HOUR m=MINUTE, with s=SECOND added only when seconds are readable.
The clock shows h=4 m=39
